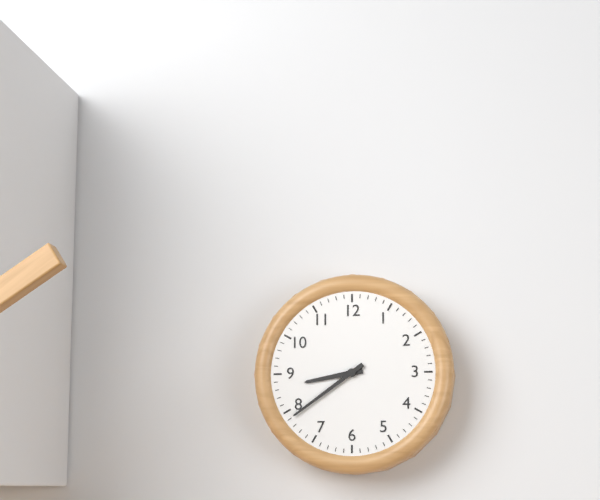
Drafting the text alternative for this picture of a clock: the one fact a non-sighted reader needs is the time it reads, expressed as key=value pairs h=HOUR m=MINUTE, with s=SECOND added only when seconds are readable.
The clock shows h=8 m=39
